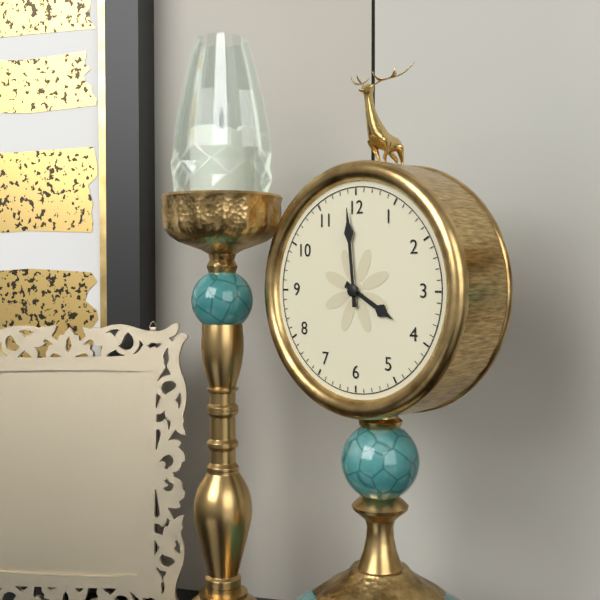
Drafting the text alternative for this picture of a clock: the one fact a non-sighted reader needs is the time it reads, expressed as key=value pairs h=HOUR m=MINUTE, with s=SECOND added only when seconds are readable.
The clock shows h=3 m=59
